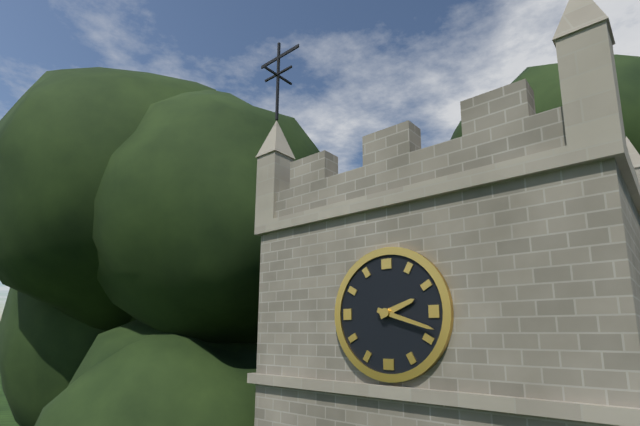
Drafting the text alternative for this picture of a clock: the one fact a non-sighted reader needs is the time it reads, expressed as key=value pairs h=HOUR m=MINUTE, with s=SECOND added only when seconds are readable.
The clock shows h=2 m=18
